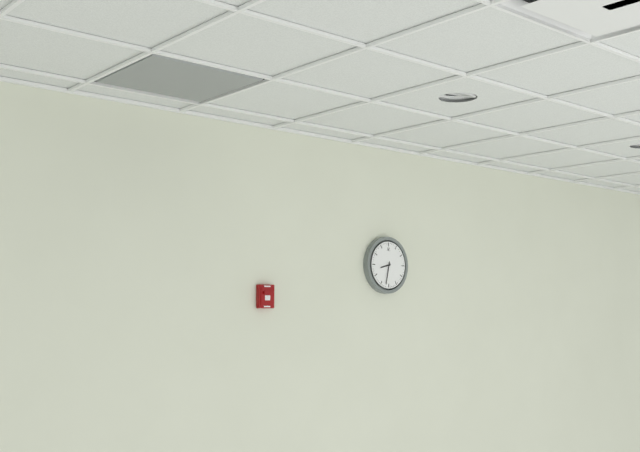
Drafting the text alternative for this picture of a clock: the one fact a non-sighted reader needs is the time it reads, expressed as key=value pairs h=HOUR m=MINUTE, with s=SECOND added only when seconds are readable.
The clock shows h=8 m=32
